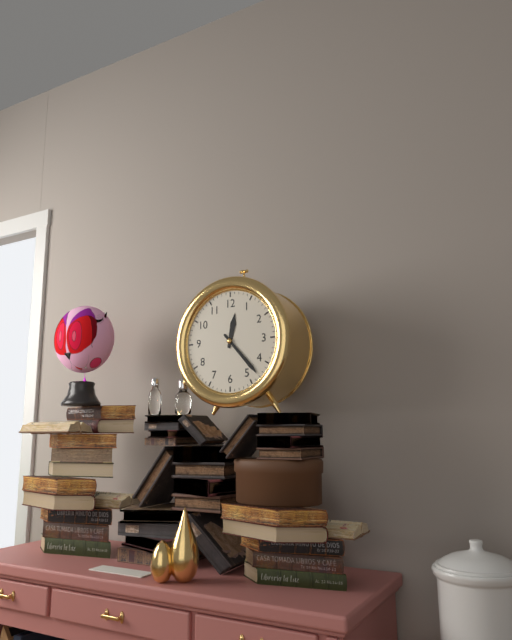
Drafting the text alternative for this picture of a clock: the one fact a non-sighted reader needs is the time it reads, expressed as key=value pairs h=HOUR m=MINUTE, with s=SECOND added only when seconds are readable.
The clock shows h=12 m=23
